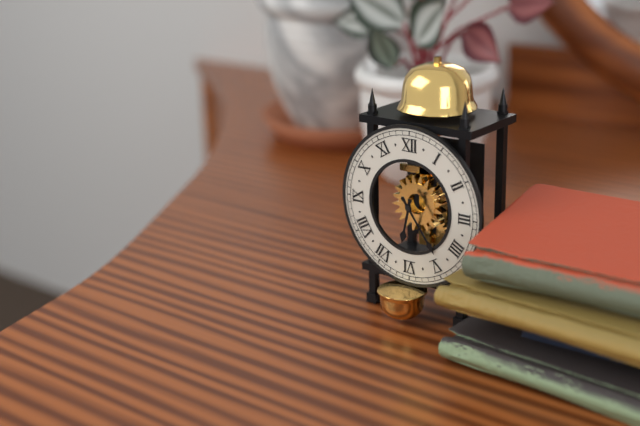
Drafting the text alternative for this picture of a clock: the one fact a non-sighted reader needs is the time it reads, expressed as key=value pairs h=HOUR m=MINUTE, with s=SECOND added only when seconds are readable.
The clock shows h=6 m=24
